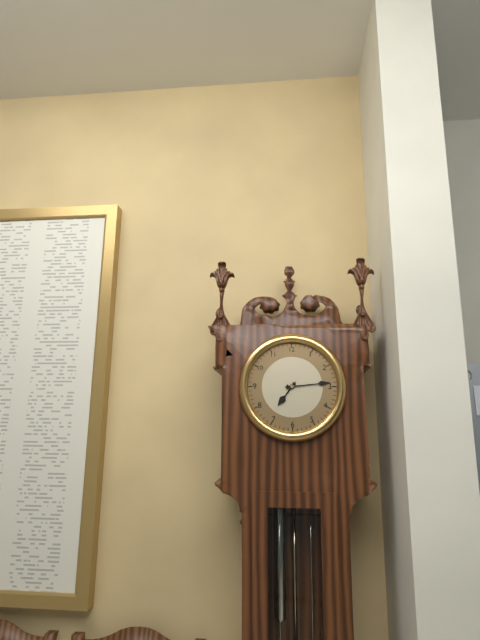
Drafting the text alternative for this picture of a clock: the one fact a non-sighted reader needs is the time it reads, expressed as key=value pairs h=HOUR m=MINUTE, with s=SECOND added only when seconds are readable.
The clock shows h=7 m=14
